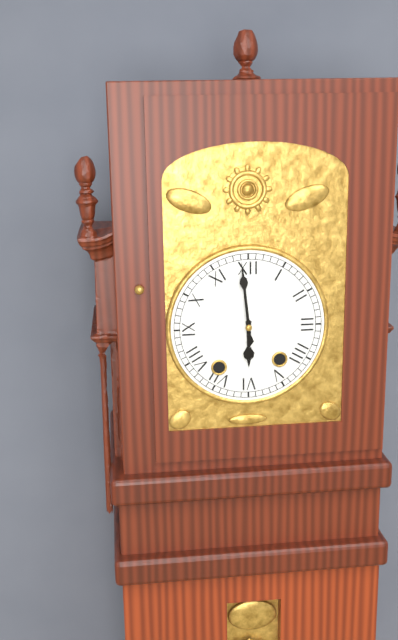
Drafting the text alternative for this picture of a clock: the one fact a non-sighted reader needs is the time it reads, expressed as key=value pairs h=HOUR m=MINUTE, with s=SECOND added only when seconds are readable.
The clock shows h=5 m=59
